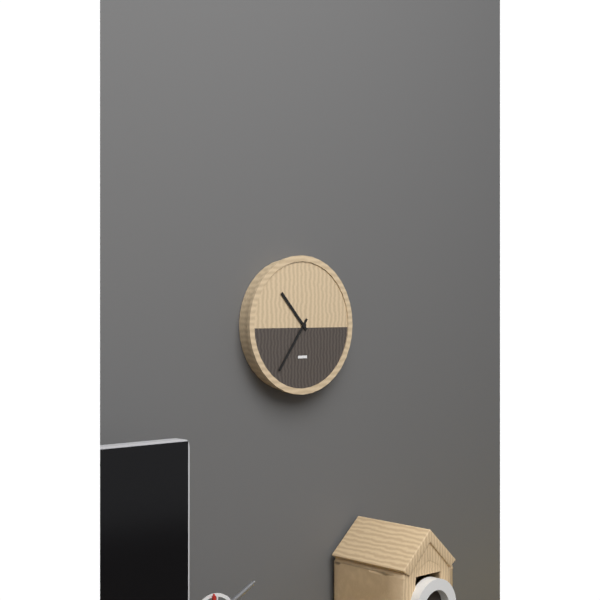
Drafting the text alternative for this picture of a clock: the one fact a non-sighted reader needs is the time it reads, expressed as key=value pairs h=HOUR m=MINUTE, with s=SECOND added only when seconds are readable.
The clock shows h=10 m=36
